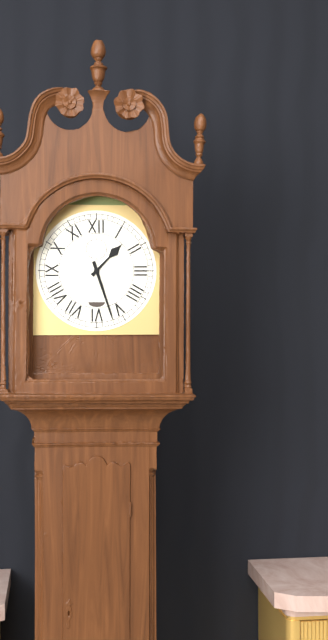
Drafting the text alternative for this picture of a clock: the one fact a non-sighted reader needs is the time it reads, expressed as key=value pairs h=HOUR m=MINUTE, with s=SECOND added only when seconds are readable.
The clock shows h=1 m=27
